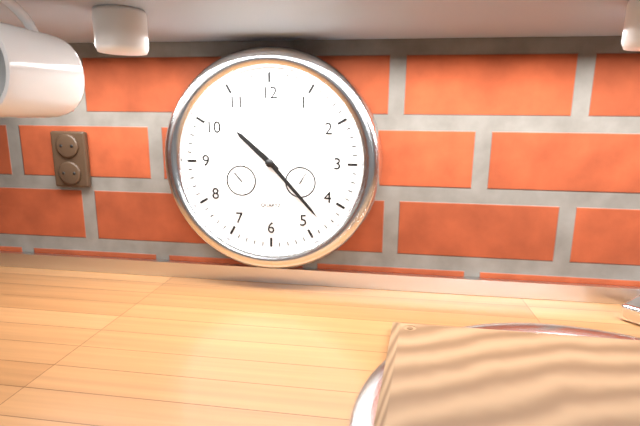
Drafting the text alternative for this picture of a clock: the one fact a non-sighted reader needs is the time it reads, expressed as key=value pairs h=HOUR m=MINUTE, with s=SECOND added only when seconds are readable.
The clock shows h=10 m=23
